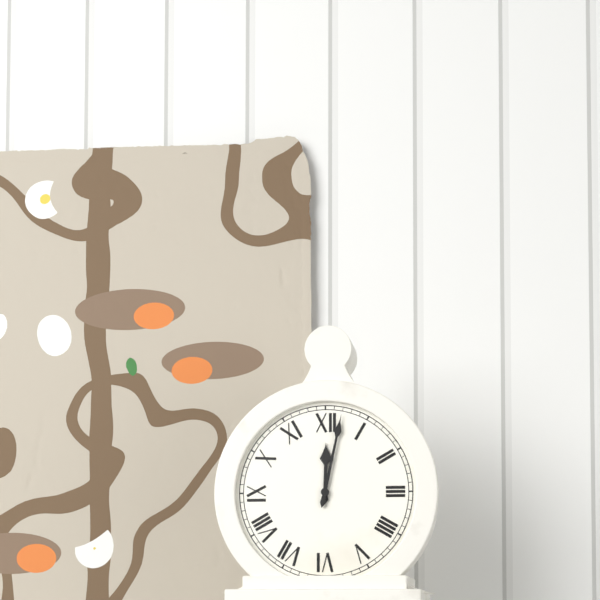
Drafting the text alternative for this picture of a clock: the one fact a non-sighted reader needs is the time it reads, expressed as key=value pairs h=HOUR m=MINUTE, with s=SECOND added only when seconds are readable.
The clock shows h=12 m=2
